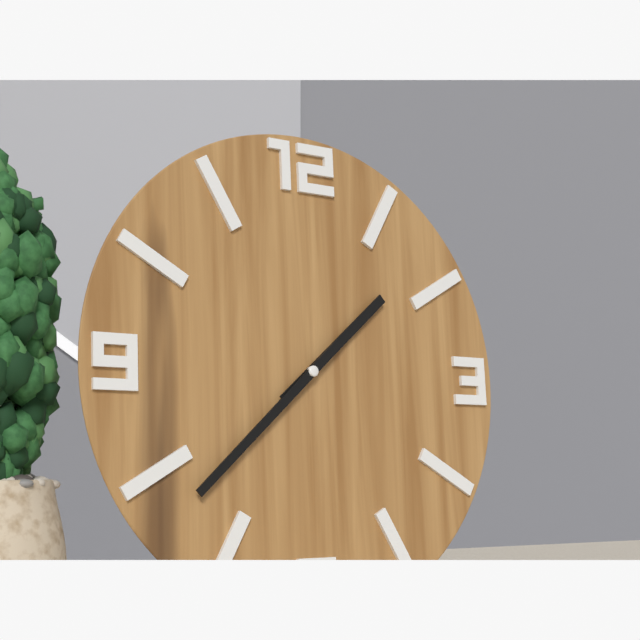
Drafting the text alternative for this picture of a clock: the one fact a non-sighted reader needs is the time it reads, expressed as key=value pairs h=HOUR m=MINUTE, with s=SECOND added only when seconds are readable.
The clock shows h=1 m=38
